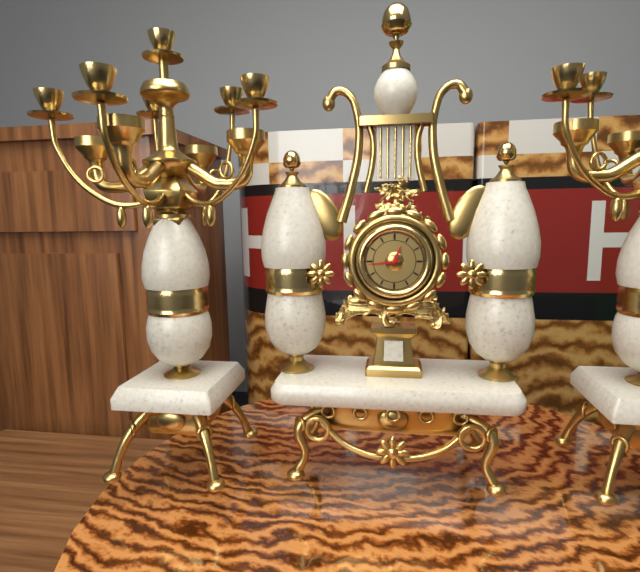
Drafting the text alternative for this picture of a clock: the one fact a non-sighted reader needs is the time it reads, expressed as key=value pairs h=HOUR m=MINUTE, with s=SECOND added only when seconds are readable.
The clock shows h=12 m=44
